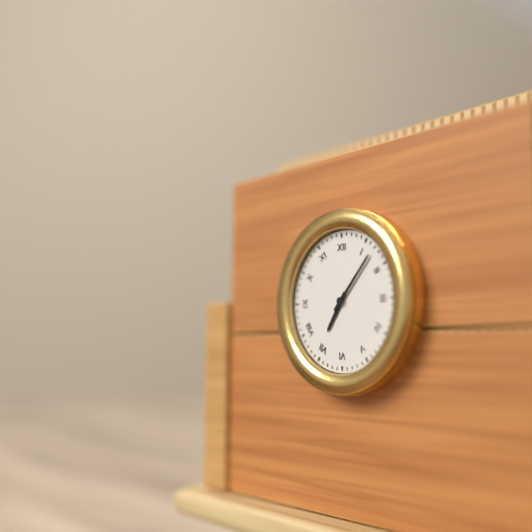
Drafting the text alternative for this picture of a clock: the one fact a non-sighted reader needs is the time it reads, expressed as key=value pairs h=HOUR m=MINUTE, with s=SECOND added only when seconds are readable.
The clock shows h=7 m=7
